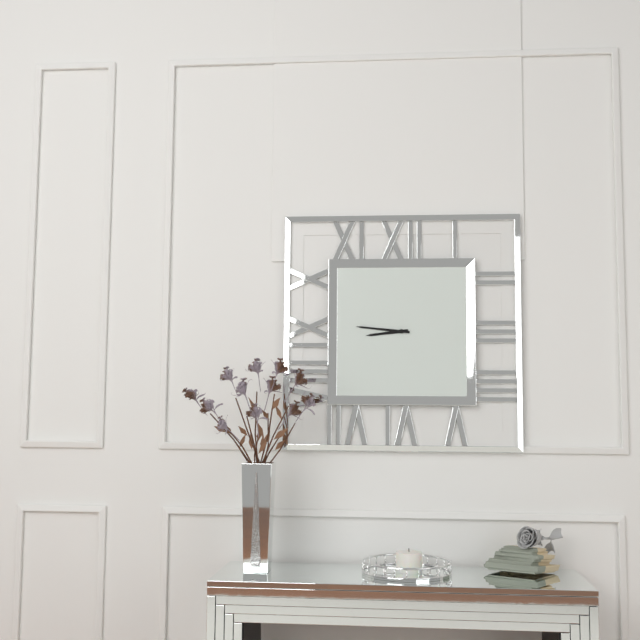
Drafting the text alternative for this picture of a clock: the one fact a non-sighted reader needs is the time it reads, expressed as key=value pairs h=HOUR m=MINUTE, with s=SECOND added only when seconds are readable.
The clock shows h=8 m=46
